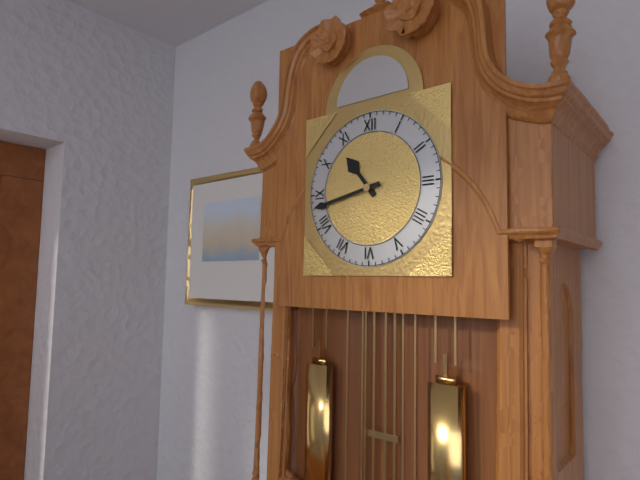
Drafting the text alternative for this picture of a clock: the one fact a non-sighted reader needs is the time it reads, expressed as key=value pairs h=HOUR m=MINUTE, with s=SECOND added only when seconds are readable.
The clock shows h=10 m=43
